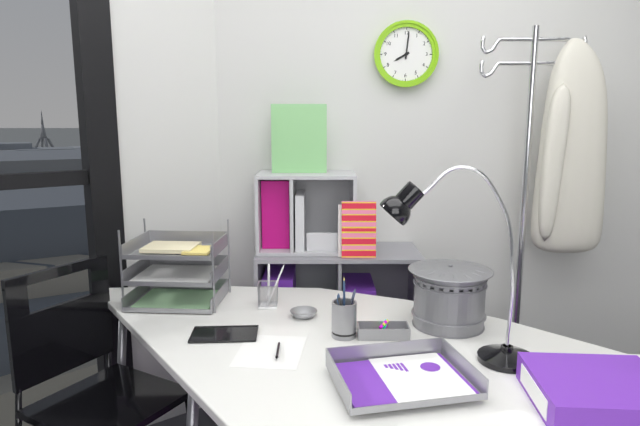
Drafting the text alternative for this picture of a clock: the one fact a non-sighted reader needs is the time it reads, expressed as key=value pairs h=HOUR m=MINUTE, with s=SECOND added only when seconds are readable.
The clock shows h=8 m=1
